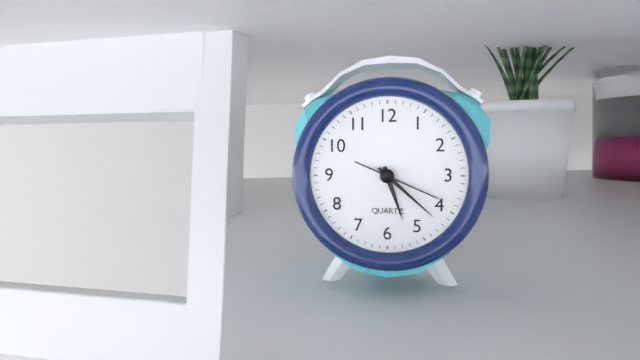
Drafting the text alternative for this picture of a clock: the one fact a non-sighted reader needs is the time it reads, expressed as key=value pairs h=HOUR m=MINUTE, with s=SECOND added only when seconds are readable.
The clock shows h=5 m=22 s=19
